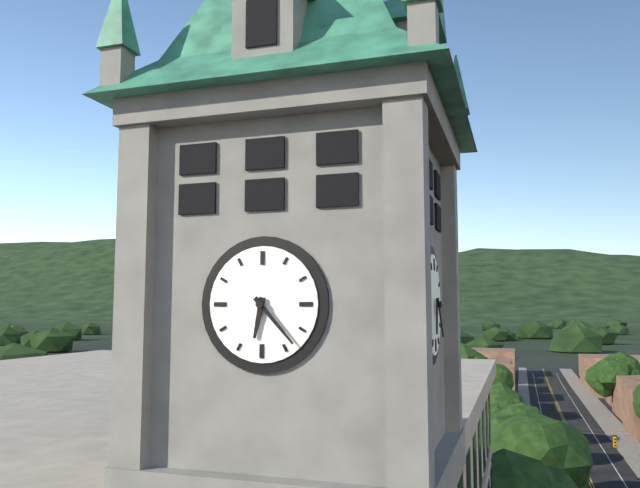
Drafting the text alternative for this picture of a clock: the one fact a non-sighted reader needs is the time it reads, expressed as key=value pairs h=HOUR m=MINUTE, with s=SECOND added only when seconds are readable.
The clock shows h=6 m=23
